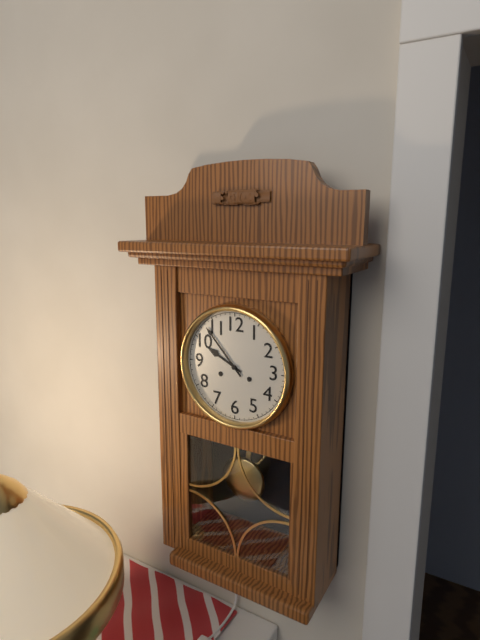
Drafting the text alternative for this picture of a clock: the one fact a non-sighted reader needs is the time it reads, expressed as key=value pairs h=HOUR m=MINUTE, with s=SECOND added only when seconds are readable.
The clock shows h=9 m=53
